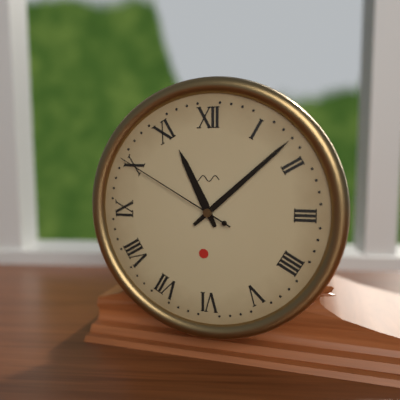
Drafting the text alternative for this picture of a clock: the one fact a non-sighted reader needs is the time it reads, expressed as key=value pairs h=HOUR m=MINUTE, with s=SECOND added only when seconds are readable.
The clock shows h=11 m=8 s=50
